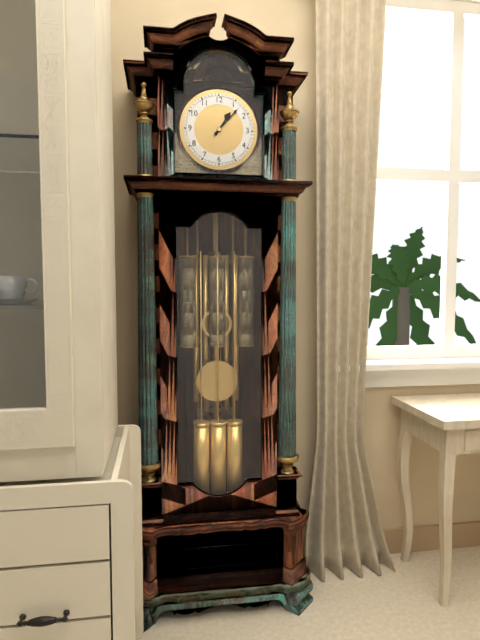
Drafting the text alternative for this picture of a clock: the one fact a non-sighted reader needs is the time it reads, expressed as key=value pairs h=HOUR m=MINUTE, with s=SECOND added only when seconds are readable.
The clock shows h=1 m=7
